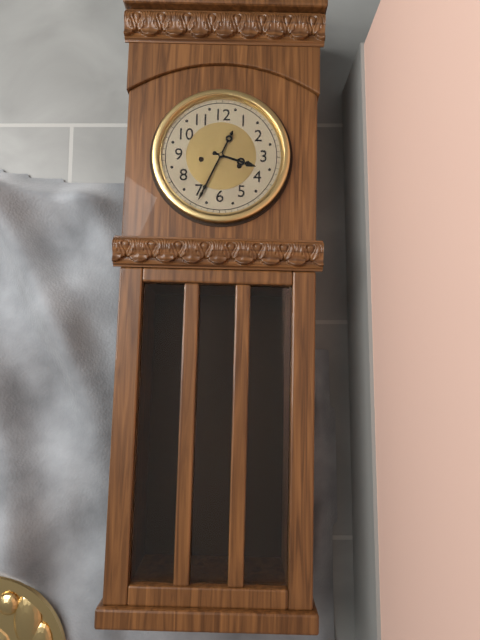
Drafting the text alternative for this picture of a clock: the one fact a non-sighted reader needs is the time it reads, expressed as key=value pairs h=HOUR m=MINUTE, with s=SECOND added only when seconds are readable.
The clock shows h=3 m=34
